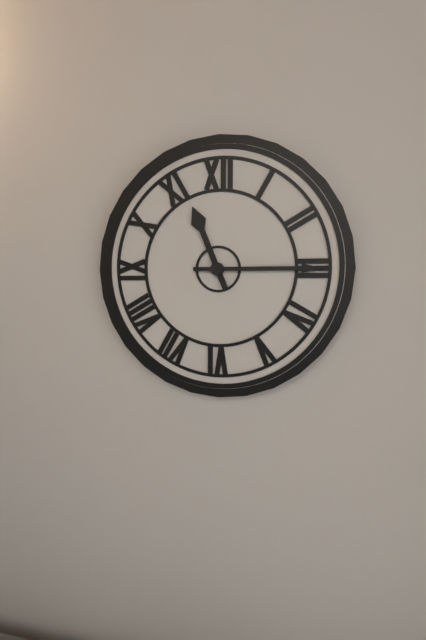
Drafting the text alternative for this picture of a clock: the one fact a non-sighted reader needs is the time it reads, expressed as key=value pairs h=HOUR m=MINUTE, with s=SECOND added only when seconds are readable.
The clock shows h=11 m=15
